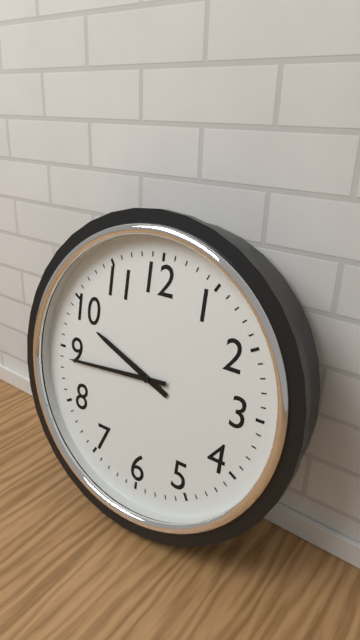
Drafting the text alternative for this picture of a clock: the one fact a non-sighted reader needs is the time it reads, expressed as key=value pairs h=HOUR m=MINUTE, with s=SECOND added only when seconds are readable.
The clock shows h=9 m=44
